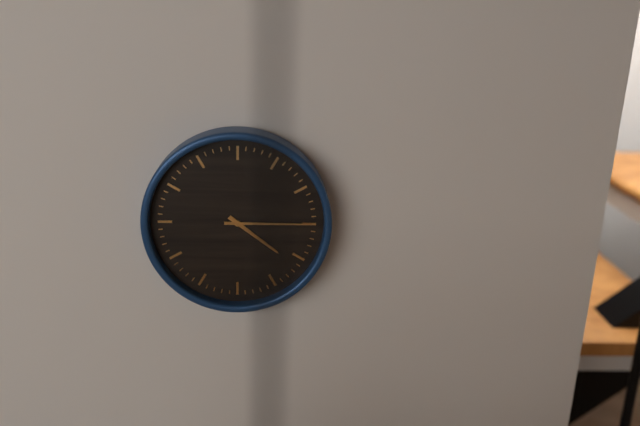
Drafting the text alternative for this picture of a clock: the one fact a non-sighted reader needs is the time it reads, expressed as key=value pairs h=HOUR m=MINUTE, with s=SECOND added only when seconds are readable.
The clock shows h=4 m=15
